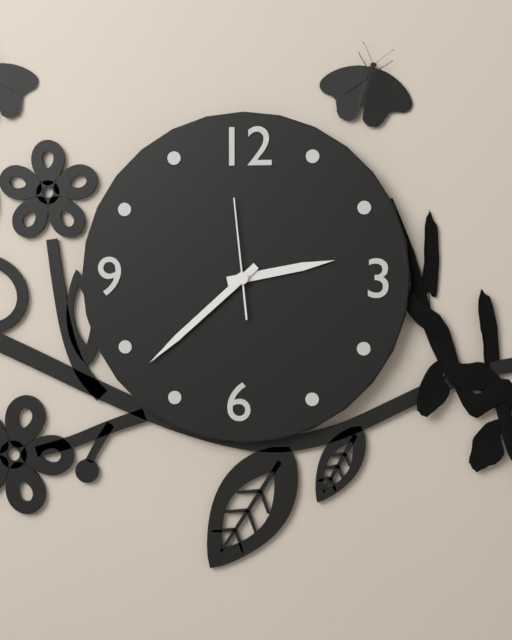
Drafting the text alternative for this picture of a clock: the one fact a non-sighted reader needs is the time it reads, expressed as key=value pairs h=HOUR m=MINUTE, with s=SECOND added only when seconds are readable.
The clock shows h=2 m=38 s=59
